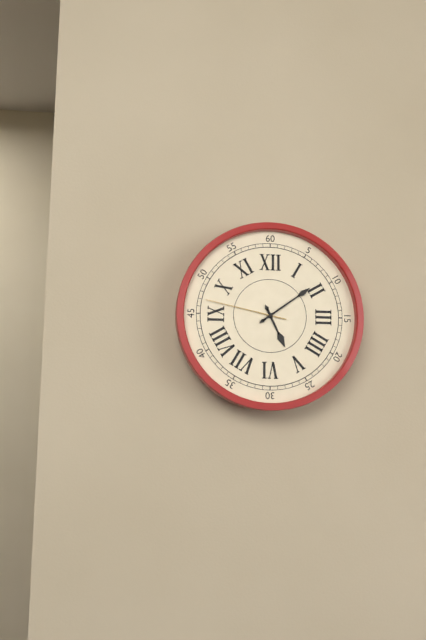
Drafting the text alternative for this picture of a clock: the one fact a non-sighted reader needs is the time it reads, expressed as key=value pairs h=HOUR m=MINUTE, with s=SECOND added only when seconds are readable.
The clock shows h=5 m=9 s=47
